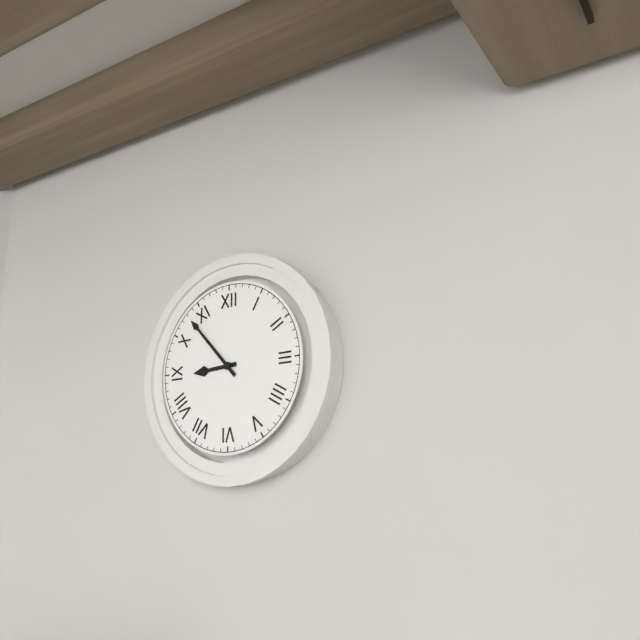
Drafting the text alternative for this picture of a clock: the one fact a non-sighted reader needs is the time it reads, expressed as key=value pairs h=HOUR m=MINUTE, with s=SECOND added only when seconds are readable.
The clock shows h=8 m=53
